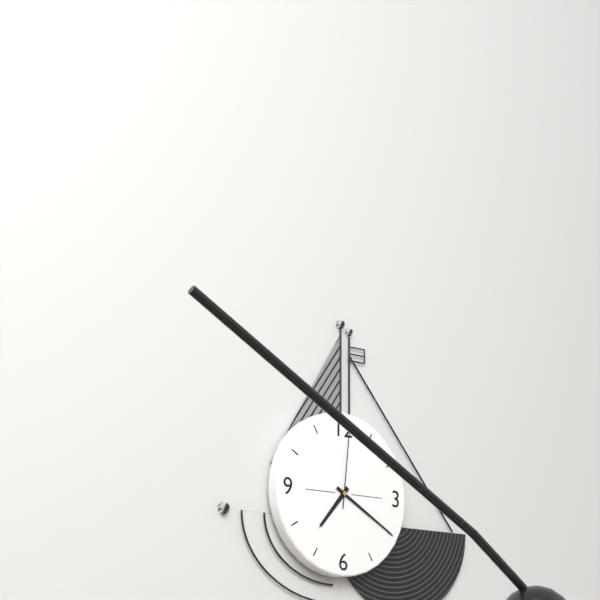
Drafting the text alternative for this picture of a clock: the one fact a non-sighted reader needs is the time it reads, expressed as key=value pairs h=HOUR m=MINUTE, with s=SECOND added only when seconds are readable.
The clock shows h=7 m=20 s=1
